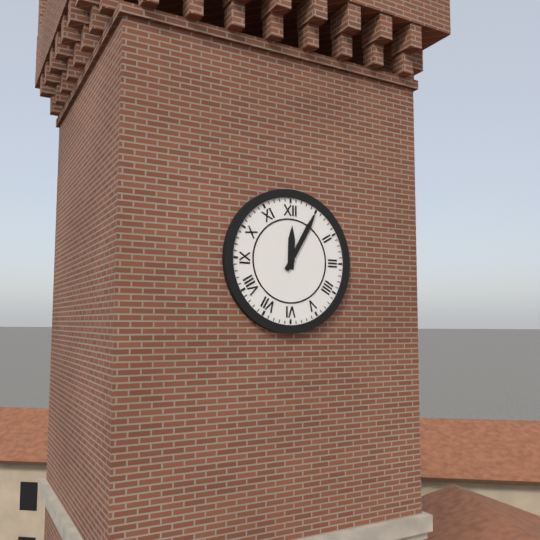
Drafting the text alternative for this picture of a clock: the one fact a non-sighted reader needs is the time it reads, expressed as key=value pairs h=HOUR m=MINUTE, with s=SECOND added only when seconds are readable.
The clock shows h=12 m=5
